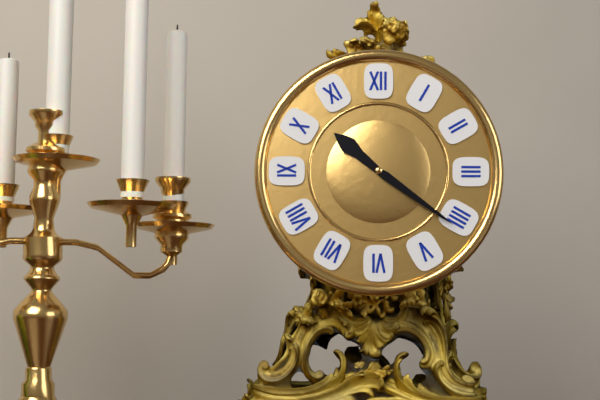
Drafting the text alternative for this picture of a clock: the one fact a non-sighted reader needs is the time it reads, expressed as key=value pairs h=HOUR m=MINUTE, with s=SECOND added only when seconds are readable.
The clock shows h=10 m=21
